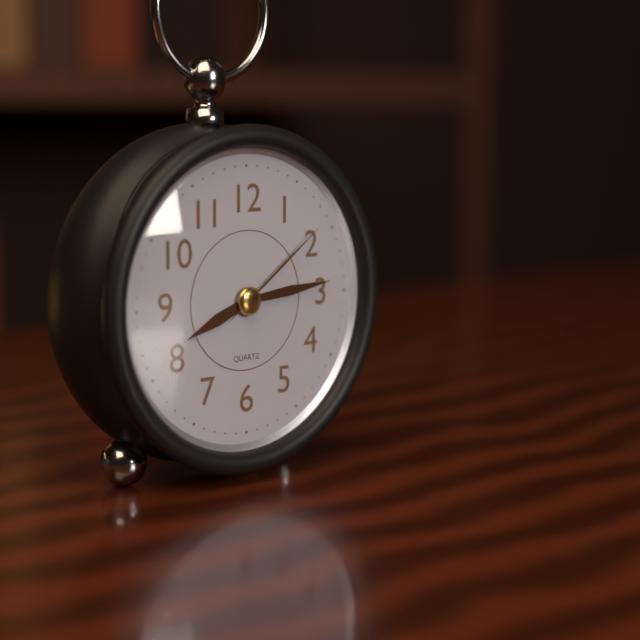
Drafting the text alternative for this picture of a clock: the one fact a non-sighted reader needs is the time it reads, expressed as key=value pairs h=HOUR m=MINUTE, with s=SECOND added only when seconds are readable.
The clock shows h=8 m=14 s=9
